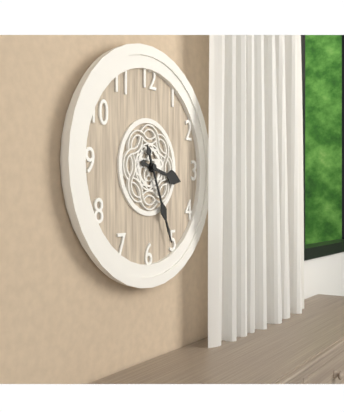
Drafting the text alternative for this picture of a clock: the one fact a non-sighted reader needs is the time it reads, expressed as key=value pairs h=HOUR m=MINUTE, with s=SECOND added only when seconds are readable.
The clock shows h=3 m=26
